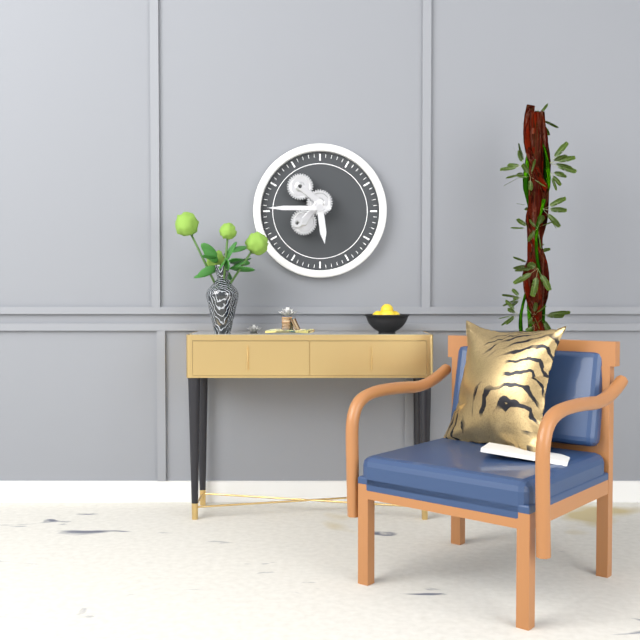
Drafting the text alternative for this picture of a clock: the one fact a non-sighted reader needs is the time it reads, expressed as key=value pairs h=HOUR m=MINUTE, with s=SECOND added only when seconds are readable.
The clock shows h=5 m=45
